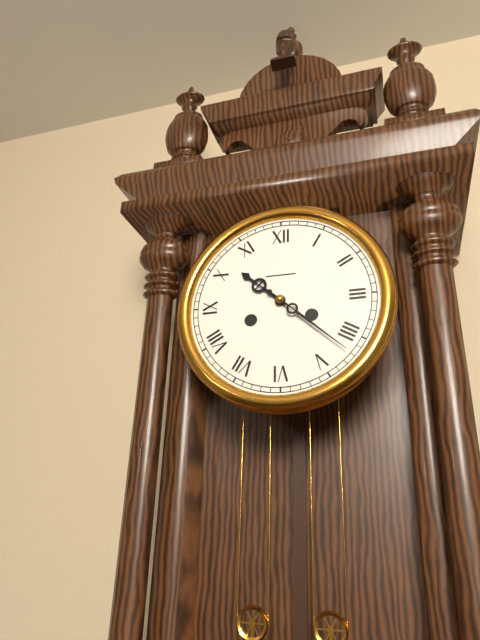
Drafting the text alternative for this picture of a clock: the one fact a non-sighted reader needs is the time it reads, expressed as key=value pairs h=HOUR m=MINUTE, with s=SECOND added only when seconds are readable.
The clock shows h=10 m=22
